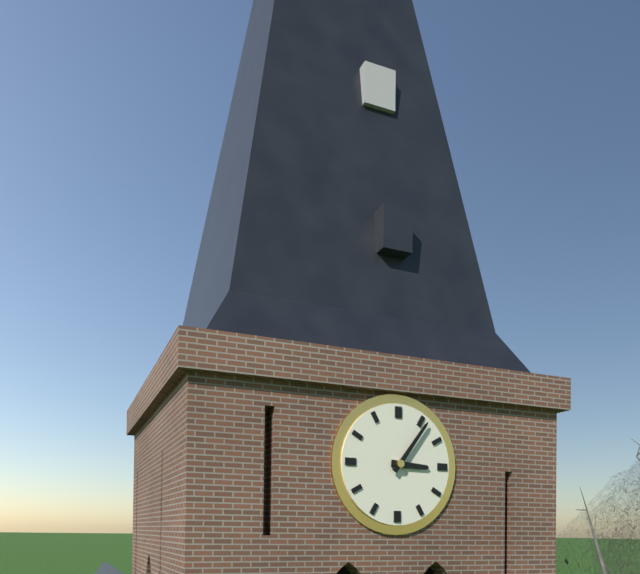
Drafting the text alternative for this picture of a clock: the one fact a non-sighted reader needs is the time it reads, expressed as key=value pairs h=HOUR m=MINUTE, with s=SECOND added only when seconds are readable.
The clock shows h=3 m=6
